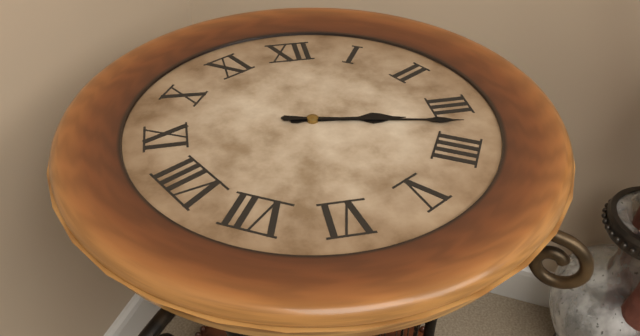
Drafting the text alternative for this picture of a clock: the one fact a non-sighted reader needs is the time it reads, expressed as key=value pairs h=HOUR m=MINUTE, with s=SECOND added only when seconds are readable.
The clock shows h=3 m=17
